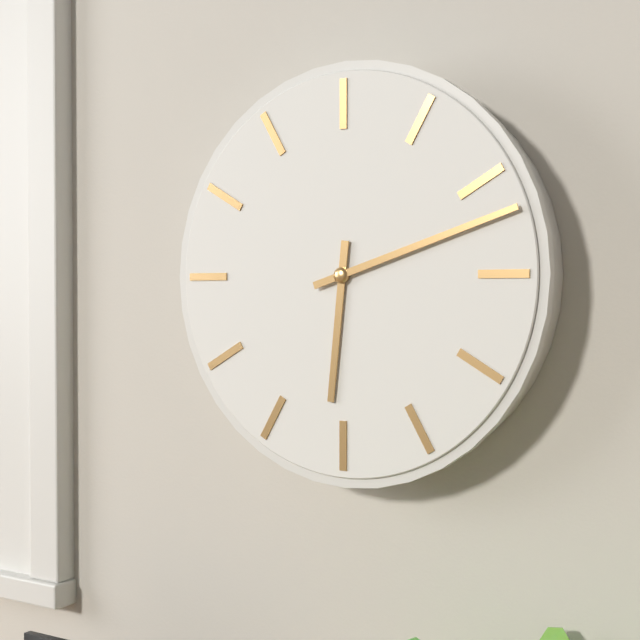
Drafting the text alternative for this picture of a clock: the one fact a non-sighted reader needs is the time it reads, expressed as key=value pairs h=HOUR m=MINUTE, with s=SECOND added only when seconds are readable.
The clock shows h=6 m=12
